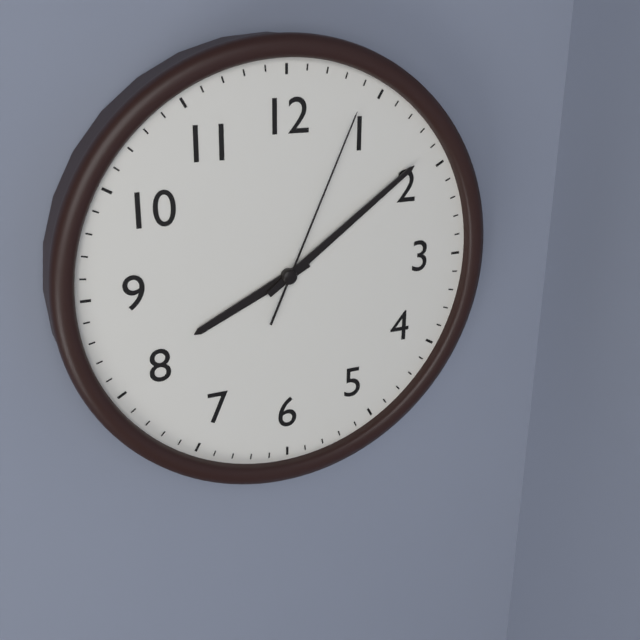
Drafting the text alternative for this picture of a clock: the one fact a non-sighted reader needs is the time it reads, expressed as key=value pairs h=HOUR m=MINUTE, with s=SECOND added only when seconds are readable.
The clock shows h=8 m=9 s=4
